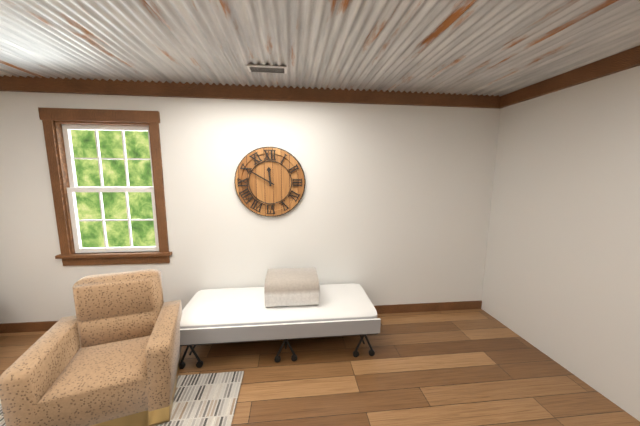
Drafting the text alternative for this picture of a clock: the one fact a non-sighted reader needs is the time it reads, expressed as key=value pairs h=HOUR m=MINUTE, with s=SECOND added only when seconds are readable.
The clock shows h=11 m=50
